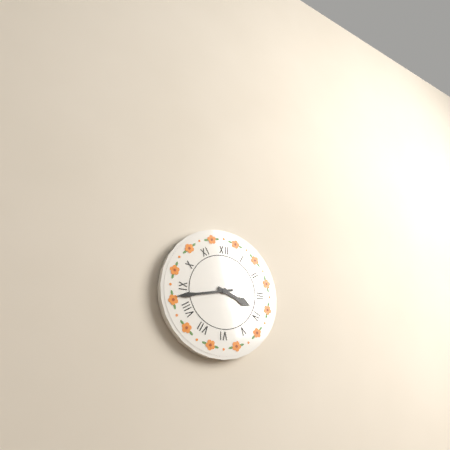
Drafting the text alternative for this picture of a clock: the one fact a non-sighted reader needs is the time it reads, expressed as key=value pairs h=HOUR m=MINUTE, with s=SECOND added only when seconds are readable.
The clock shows h=3 m=43
